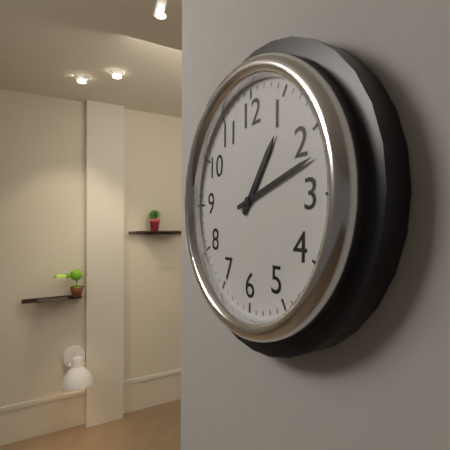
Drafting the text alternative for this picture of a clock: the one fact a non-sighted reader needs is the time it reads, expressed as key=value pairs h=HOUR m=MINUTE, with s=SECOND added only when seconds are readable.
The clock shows h=1 m=12
